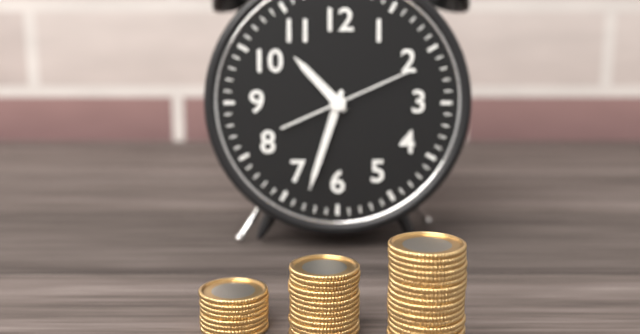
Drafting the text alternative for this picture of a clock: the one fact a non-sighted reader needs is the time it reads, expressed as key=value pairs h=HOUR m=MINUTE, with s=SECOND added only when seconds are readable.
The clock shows h=10 m=33 s=11
